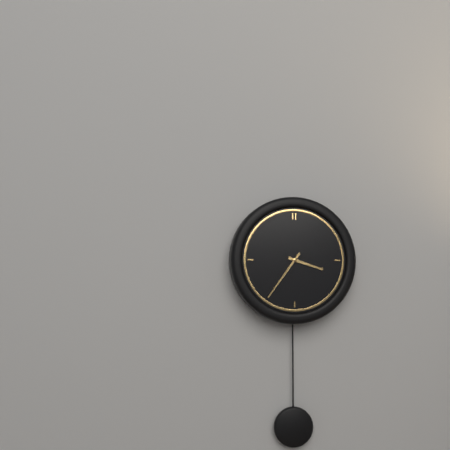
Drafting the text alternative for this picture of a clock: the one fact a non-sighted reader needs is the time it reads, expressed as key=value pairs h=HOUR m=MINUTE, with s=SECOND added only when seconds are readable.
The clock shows h=3 m=36
